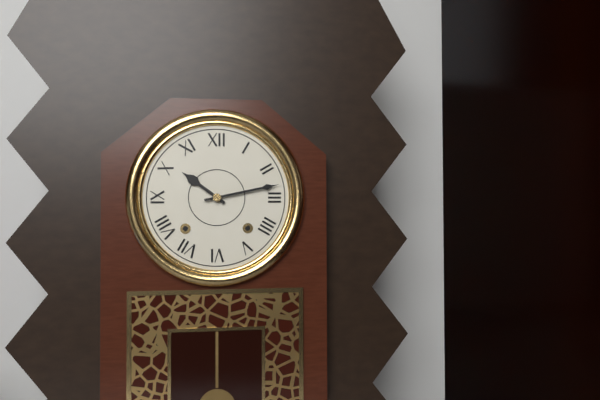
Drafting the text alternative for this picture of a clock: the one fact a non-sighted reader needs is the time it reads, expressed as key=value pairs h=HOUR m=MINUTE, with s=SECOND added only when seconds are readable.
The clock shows h=10 m=13
